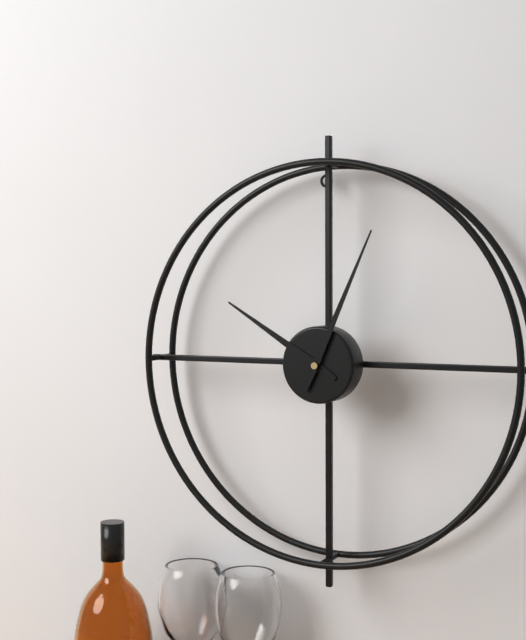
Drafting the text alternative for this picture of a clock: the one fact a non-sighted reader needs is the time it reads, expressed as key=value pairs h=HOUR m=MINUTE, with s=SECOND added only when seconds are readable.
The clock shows h=10 m=4
